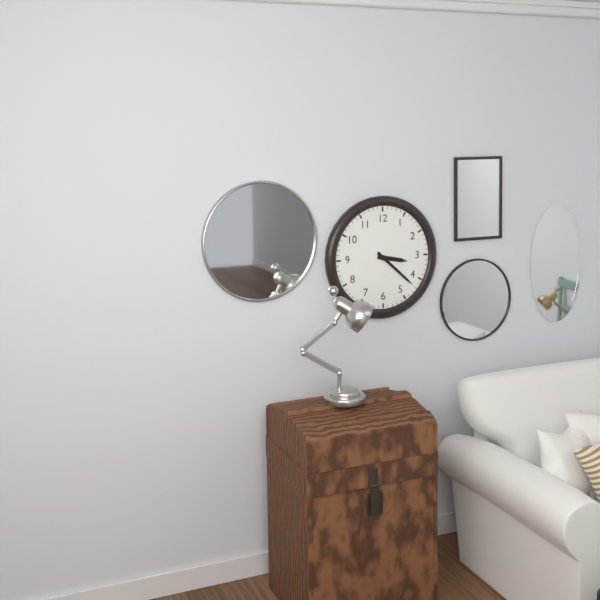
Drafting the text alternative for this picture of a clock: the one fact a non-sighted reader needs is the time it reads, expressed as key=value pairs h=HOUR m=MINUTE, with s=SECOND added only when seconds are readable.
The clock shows h=3 m=22
